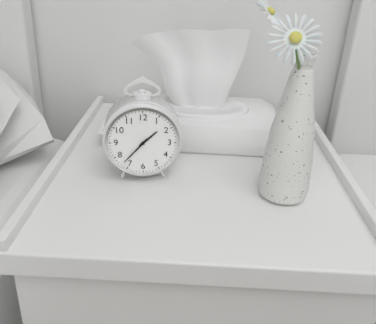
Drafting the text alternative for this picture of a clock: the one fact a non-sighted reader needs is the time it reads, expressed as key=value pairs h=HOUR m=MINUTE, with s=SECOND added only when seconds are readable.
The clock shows h=1 m=37
